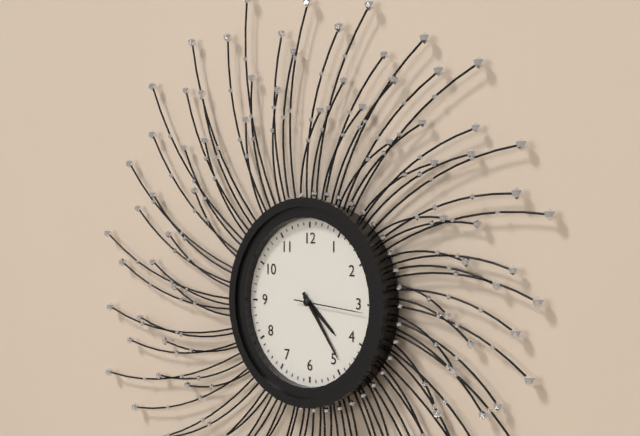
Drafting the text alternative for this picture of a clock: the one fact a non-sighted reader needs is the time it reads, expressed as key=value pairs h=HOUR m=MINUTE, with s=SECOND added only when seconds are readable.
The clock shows h=4 m=24 s=16
